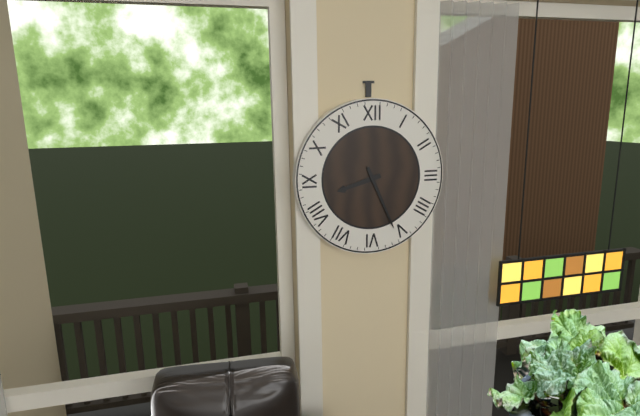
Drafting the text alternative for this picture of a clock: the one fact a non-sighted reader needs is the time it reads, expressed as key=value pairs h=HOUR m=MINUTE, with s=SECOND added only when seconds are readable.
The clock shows h=8 m=26
